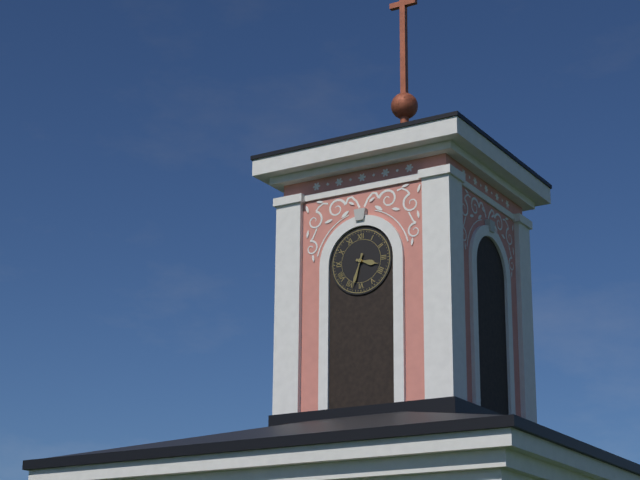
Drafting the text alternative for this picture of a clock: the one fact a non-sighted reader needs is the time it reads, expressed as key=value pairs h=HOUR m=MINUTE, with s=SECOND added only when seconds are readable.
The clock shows h=3 m=33
